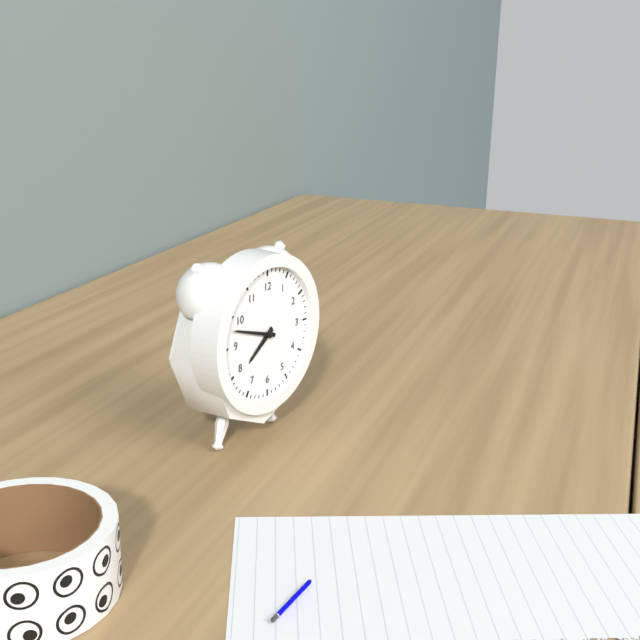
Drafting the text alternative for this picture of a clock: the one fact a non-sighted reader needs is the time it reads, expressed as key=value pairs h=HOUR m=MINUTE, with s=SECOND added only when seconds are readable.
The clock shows h=7 m=48
